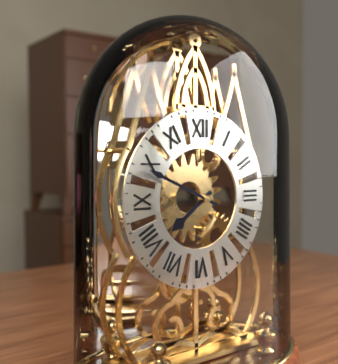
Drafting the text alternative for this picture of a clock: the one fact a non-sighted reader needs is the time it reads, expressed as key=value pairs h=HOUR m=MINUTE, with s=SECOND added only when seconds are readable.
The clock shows h=7 m=49
